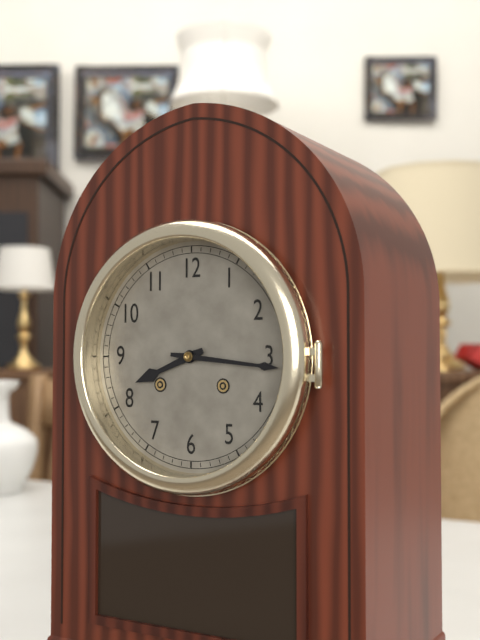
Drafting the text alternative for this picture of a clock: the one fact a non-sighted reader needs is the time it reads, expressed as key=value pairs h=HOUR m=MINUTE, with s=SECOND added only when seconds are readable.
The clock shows h=8 m=16
